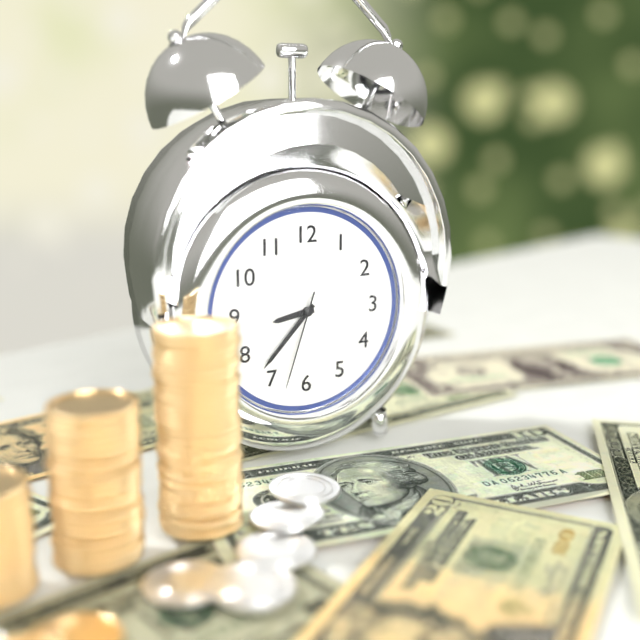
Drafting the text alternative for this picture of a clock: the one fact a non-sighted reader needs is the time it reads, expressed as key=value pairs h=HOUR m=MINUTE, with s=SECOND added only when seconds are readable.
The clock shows h=8 m=37 s=33
